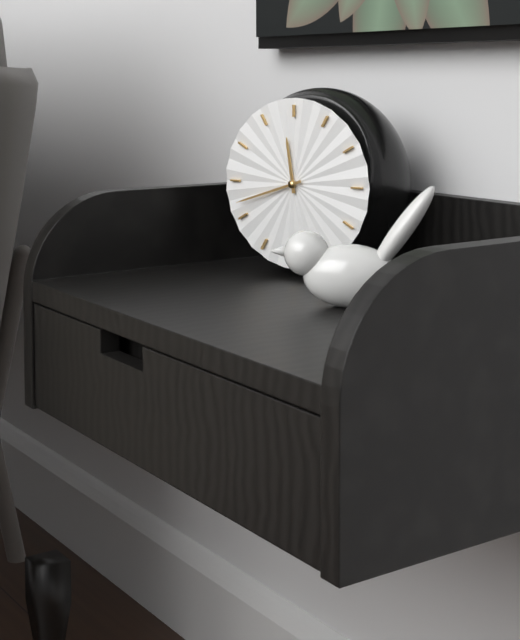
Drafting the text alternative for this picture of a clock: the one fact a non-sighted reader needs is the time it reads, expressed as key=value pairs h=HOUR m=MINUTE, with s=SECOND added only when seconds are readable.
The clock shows h=11 m=42
